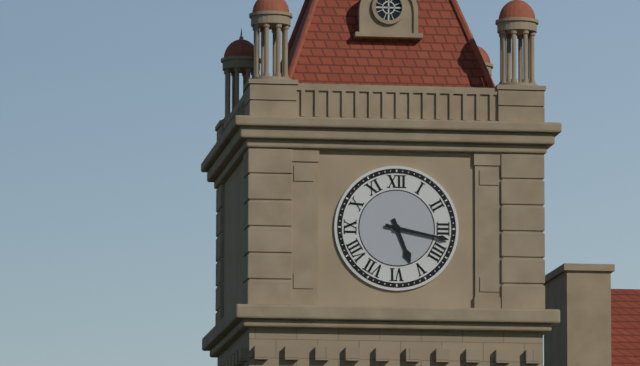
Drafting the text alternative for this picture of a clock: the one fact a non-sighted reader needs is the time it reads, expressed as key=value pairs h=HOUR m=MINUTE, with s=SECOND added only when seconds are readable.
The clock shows h=5 m=17
